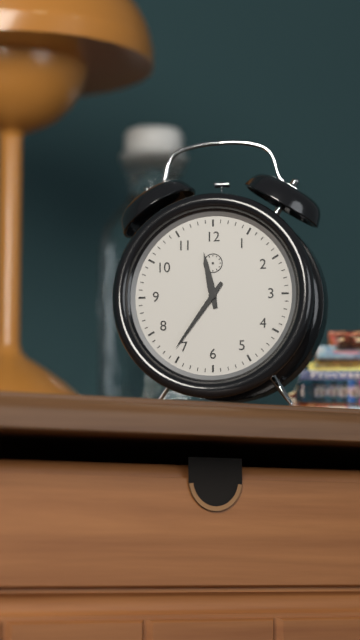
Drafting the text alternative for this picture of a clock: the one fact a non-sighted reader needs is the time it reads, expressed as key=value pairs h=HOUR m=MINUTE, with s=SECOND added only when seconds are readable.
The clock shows h=11 m=36
